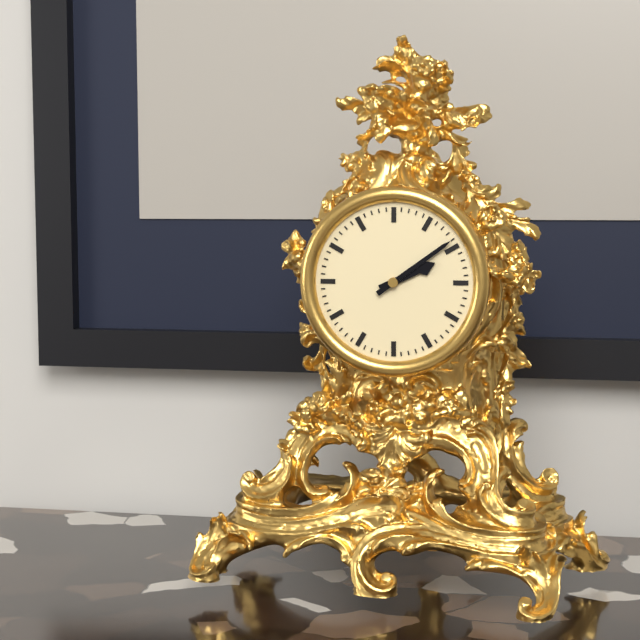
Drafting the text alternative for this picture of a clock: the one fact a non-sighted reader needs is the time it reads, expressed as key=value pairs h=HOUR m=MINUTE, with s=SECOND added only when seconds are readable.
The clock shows h=2 m=9
